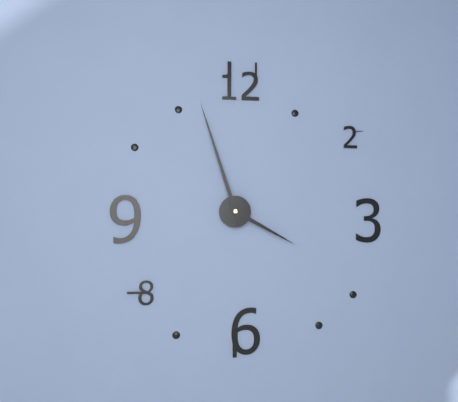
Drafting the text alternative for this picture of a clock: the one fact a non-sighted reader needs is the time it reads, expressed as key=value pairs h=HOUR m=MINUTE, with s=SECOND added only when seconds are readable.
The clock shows h=3 m=57
